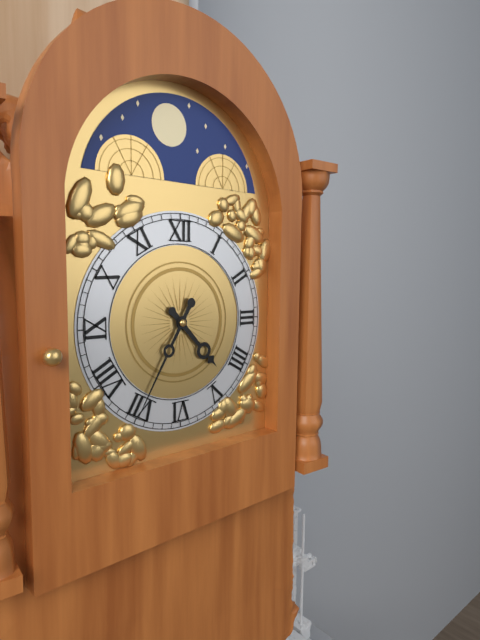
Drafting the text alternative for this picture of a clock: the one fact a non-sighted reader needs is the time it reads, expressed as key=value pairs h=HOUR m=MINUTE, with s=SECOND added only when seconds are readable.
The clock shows h=4 m=35
